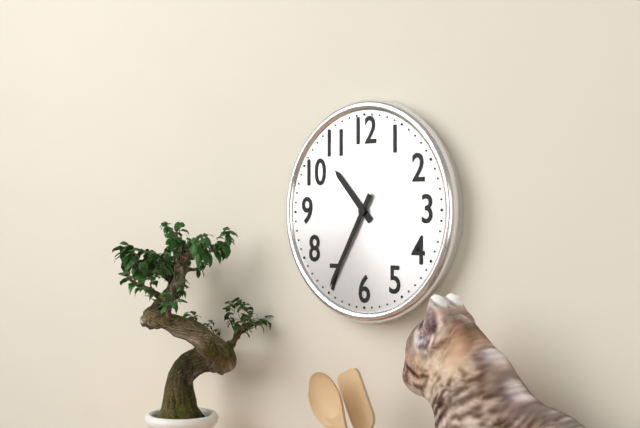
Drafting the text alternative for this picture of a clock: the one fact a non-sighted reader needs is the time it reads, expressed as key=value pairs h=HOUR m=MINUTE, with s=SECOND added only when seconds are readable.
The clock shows h=10 m=35
